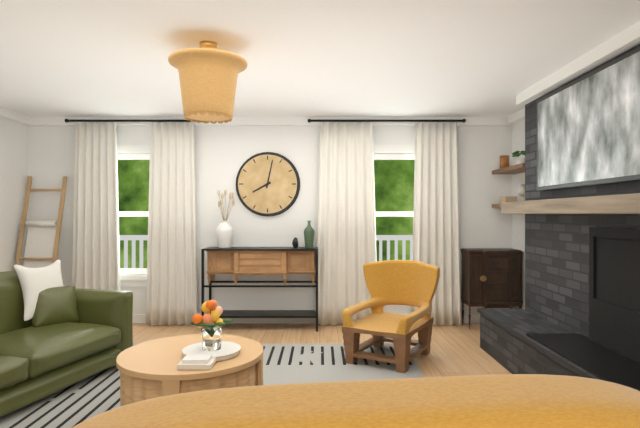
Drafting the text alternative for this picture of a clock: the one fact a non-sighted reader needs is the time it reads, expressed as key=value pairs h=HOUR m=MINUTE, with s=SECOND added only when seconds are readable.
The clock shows h=8 m=2
